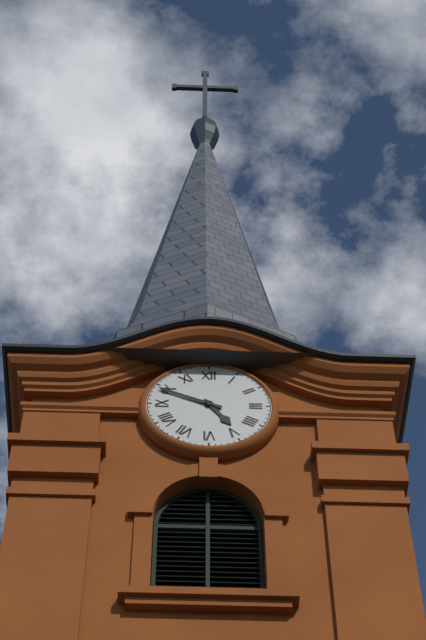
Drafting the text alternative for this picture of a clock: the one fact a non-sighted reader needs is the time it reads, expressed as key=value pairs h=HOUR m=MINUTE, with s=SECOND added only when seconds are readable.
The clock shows h=4 m=49
